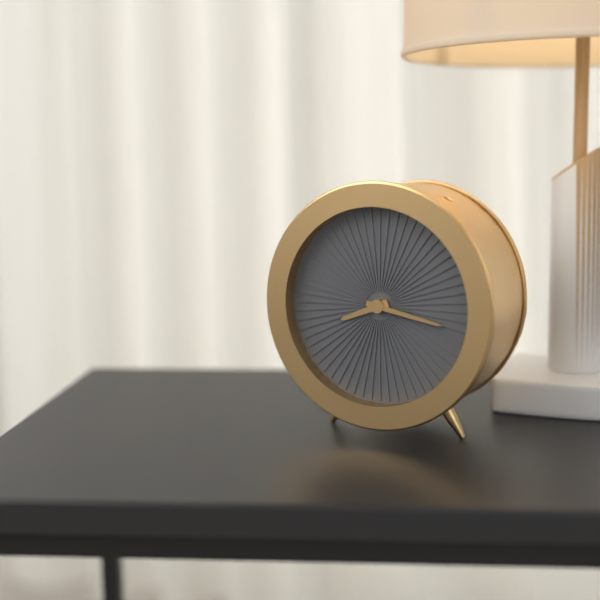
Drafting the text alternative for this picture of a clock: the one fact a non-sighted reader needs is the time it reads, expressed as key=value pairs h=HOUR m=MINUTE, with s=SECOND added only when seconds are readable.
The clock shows h=8 m=17
